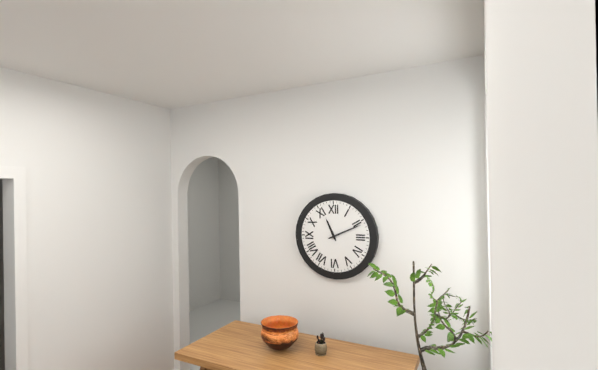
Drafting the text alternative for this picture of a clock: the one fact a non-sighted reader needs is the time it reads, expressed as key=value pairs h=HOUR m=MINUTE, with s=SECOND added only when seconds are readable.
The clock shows h=11 m=11
